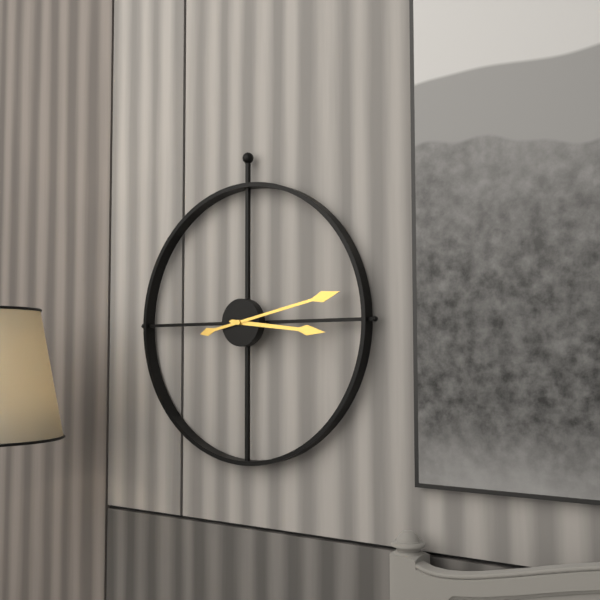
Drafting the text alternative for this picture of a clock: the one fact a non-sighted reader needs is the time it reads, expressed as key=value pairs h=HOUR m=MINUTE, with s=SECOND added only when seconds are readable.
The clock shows h=3 m=13
